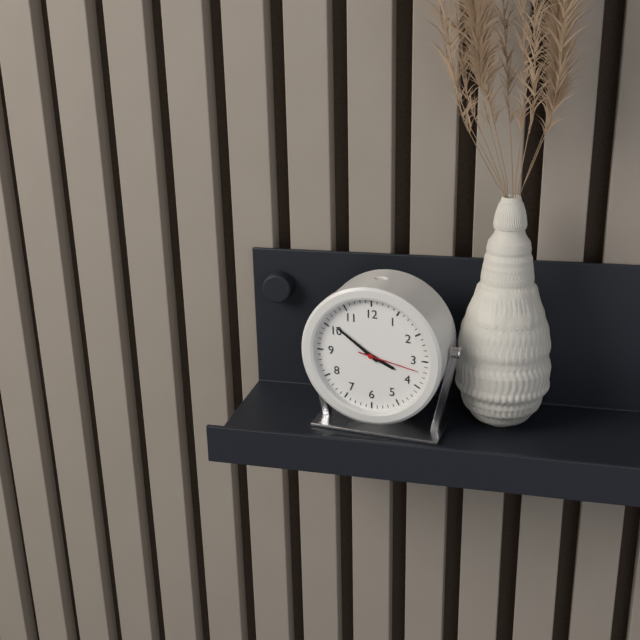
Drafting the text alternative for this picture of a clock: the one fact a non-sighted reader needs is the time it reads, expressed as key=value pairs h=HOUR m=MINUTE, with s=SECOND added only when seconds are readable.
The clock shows h=3 m=51 s=17
